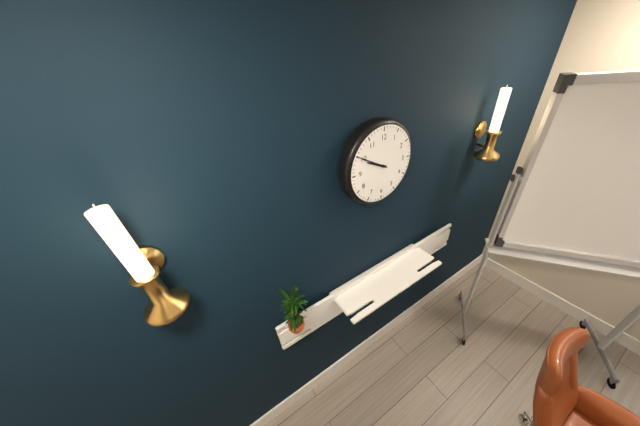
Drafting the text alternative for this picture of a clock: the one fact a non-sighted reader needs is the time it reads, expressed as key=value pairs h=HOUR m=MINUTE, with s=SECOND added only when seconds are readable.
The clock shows h=9 m=50
